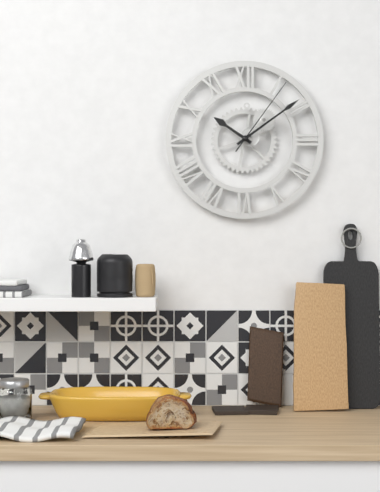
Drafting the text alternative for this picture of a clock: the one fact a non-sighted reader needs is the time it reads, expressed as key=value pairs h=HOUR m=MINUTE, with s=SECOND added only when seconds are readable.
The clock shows h=10 m=9 s=6
